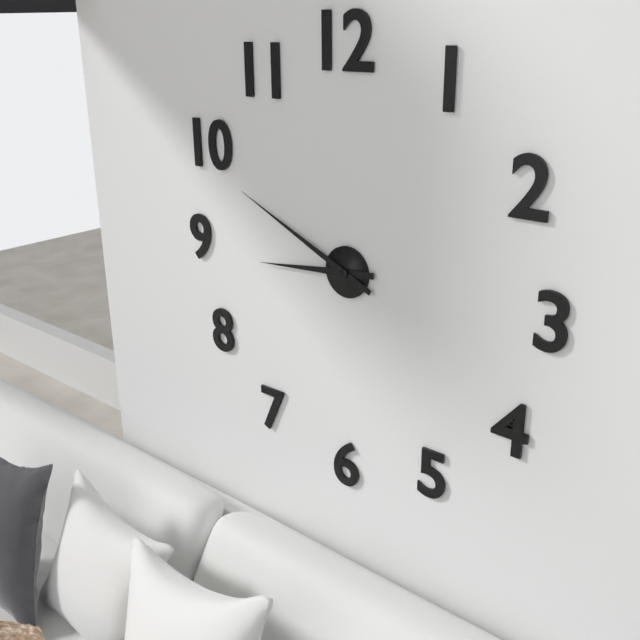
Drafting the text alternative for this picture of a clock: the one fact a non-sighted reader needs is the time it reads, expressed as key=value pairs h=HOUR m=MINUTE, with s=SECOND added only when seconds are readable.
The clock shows h=8 m=49
